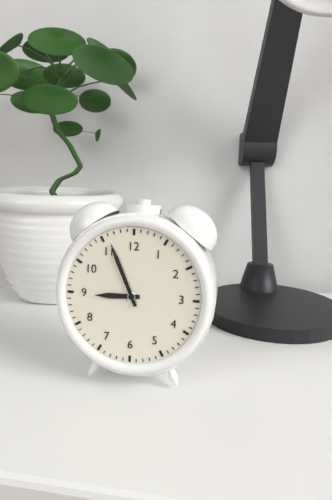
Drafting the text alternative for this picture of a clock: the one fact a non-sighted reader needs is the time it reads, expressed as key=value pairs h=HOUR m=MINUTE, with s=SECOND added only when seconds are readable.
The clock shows h=8 m=56
